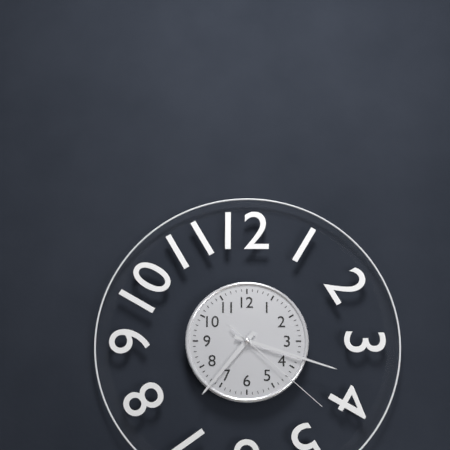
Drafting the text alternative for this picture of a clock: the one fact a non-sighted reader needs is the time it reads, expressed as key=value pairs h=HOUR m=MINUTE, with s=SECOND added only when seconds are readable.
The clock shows h=7 m=18 s=22
